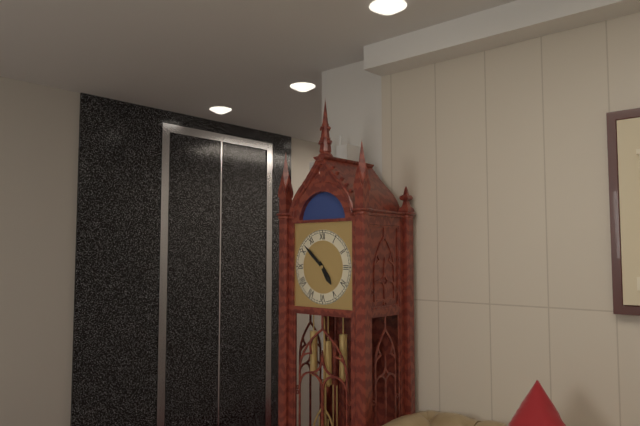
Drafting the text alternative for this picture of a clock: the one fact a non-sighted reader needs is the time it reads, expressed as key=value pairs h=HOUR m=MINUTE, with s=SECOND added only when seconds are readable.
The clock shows h=4 m=52
